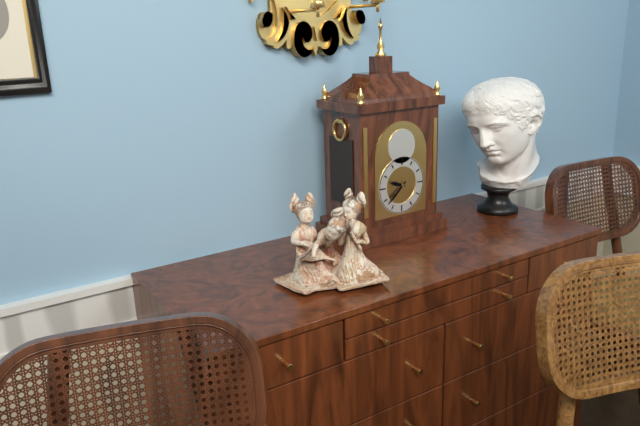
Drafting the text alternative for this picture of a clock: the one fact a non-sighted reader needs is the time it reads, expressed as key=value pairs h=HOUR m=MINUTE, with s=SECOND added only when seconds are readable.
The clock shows h=9 m=38
